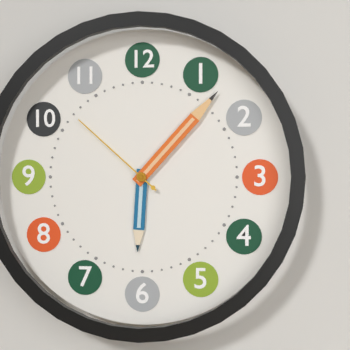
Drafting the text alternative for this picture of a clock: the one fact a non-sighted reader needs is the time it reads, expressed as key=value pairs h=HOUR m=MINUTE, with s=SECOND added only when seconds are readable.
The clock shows h=6 m=7 s=52
